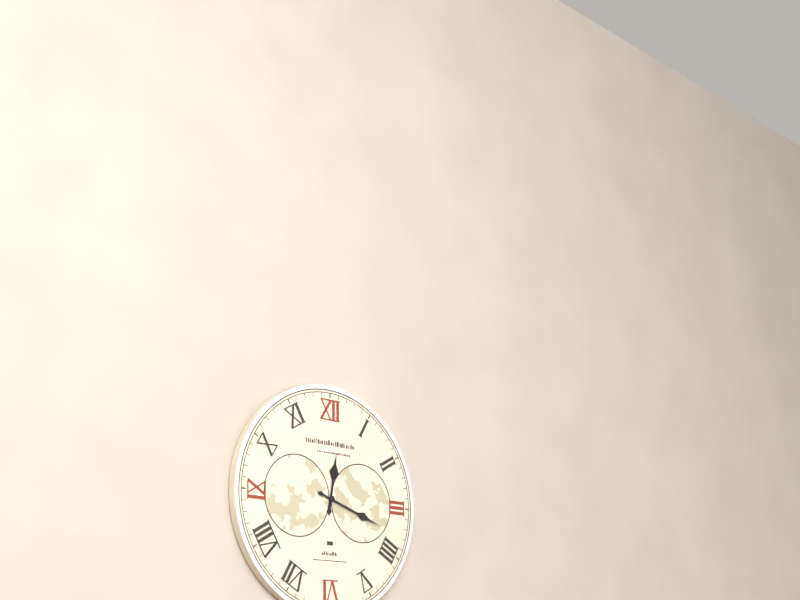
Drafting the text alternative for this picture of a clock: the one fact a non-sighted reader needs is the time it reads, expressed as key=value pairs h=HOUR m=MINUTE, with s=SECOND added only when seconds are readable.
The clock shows h=12 m=18
